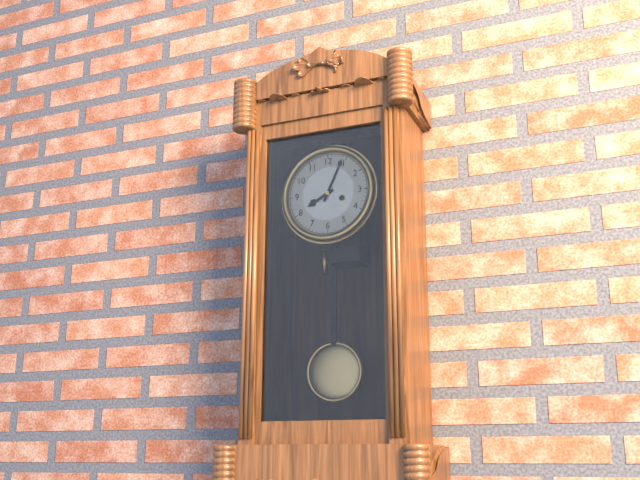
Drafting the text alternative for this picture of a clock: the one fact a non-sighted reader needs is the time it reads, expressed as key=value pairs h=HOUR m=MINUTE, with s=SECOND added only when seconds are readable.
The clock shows h=8 m=4
